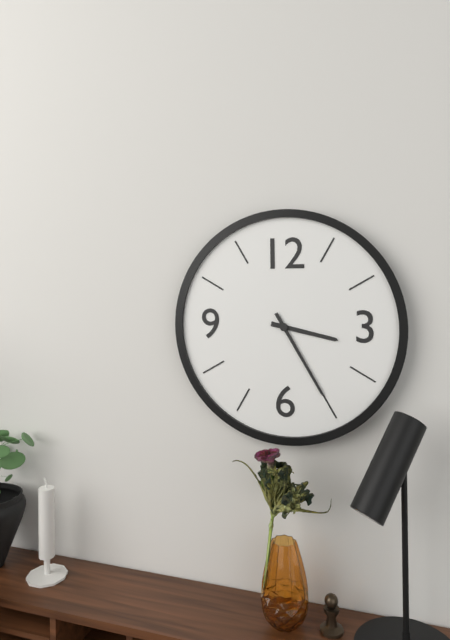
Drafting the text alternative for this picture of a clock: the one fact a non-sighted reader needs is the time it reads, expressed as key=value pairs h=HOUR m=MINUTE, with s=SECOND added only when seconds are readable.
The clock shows h=3 m=25
